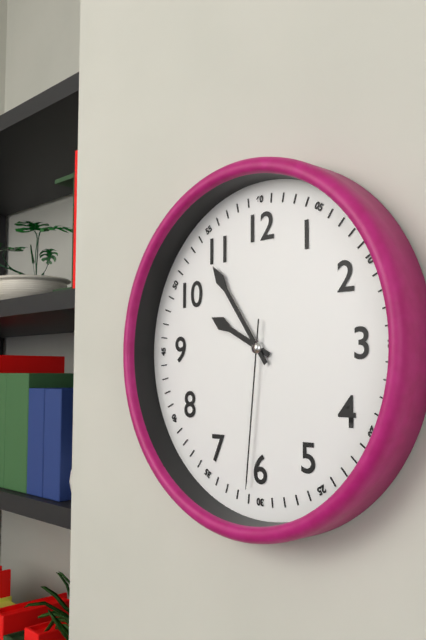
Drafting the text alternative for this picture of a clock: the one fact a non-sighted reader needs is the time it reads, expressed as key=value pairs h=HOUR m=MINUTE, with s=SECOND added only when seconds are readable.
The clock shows h=9 m=54 s=31
